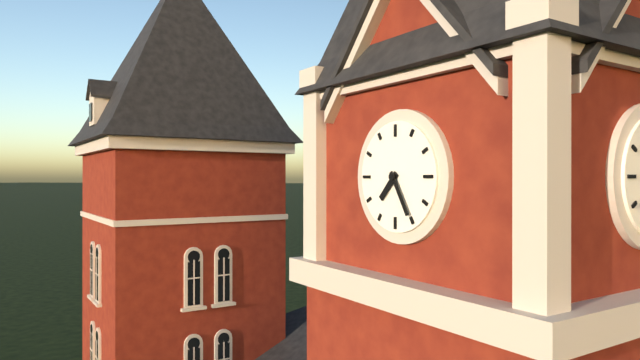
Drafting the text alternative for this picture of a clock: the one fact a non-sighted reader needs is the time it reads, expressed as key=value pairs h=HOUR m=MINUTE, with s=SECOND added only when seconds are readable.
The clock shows h=7 m=25
